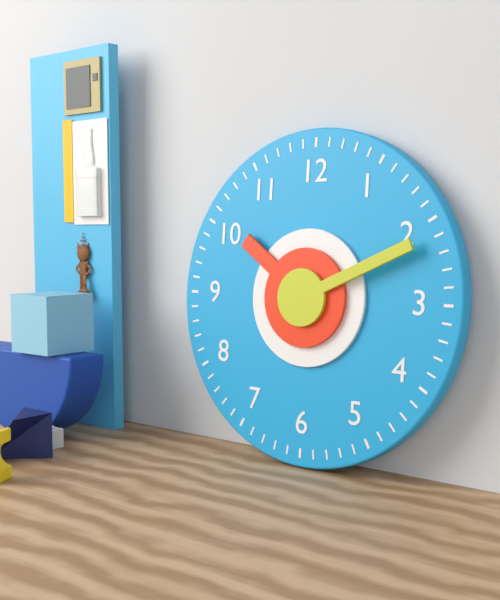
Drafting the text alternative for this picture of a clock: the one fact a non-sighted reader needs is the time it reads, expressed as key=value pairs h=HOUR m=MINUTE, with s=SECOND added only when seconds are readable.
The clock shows h=10 m=11
